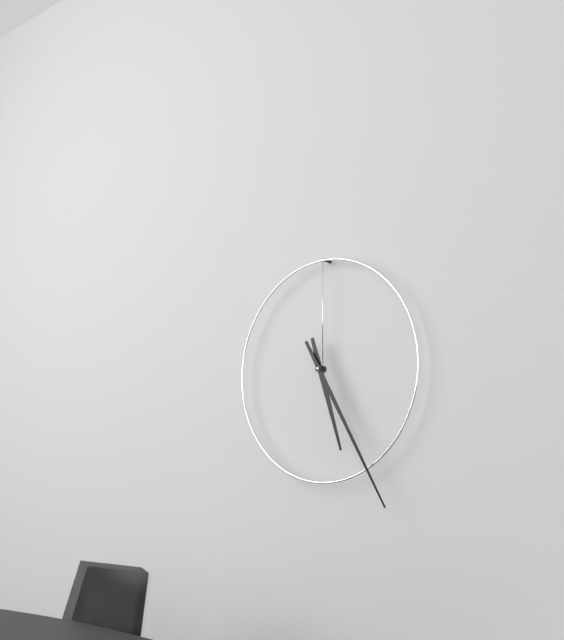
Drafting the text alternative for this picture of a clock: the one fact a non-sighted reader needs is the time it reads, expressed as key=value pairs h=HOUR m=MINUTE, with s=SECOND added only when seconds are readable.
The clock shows h=5 m=25
